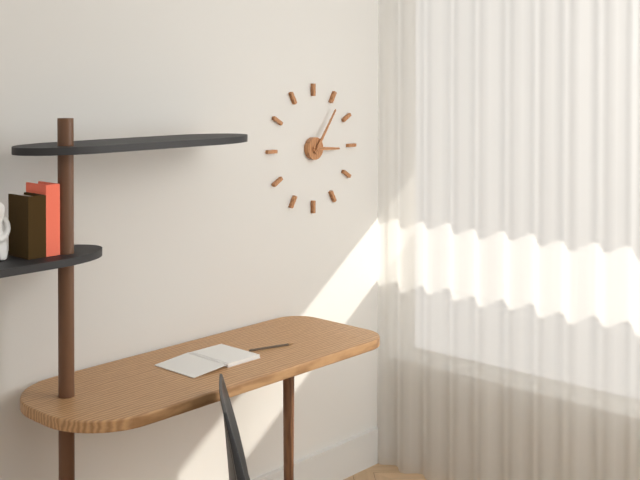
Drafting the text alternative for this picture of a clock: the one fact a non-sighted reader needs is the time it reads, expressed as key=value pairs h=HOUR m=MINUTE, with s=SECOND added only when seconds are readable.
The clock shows h=3 m=6
